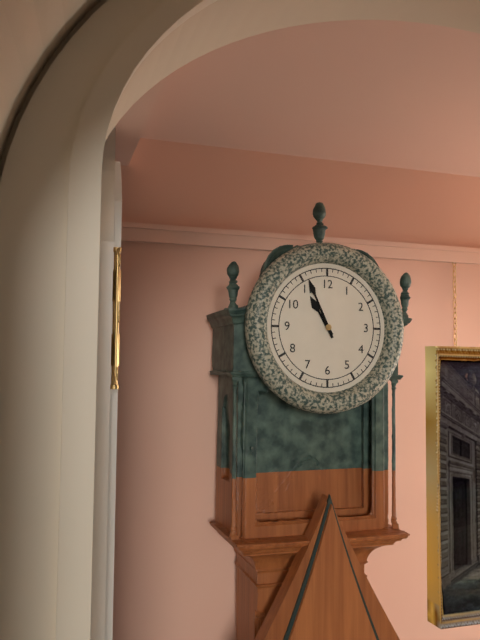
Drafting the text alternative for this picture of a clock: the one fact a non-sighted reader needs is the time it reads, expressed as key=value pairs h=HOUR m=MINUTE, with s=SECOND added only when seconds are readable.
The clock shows h=10 m=56
